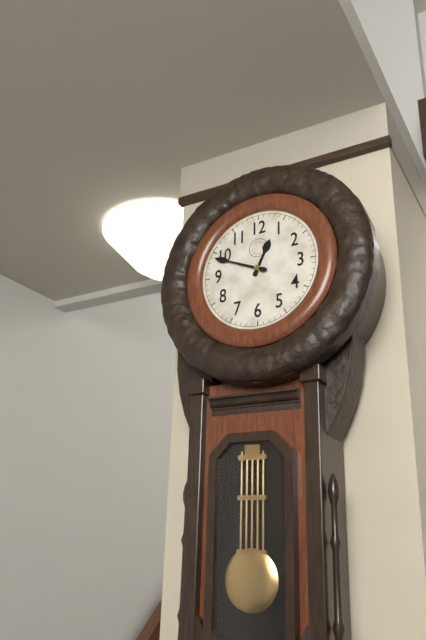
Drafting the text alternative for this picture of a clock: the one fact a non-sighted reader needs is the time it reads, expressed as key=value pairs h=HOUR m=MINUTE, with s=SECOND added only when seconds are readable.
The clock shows h=12 m=49
